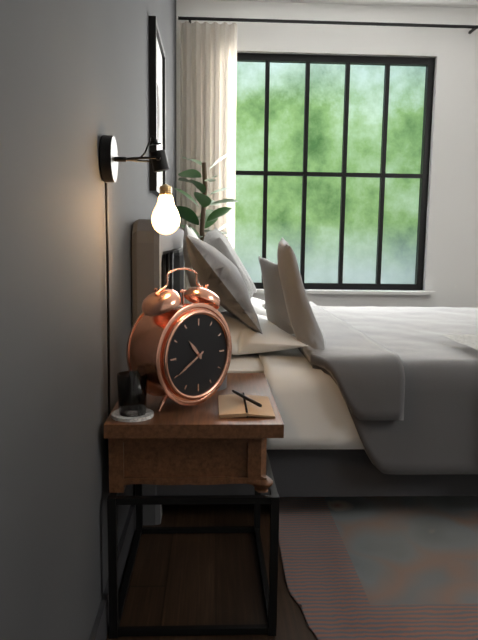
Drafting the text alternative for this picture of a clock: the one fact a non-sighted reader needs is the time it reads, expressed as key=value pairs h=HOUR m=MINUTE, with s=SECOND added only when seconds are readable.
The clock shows h=10 m=40
